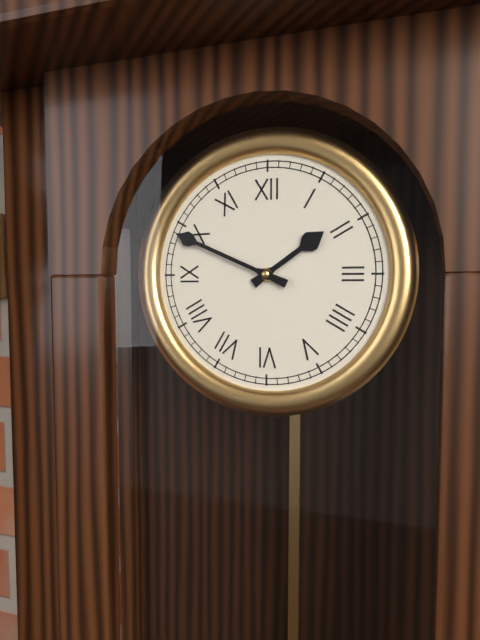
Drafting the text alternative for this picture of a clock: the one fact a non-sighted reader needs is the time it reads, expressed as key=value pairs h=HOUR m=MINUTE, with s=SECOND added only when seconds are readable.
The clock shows h=1 m=49
